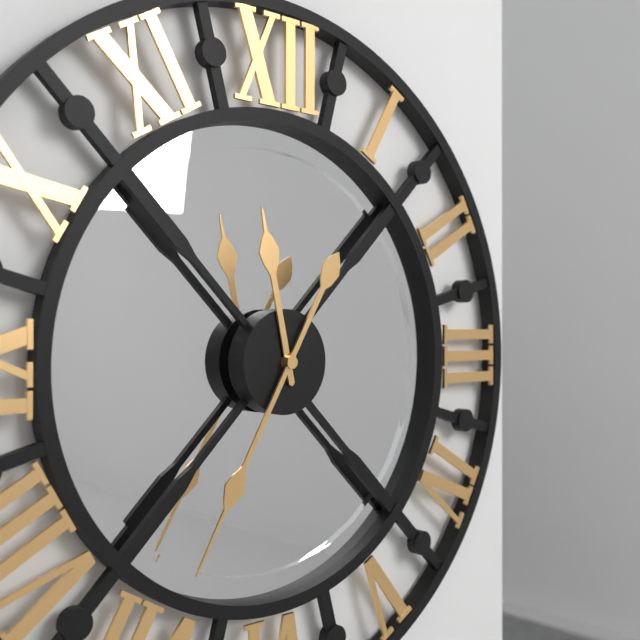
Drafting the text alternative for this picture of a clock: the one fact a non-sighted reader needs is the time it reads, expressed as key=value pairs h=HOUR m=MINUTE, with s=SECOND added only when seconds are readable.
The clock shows h=11 m=35
